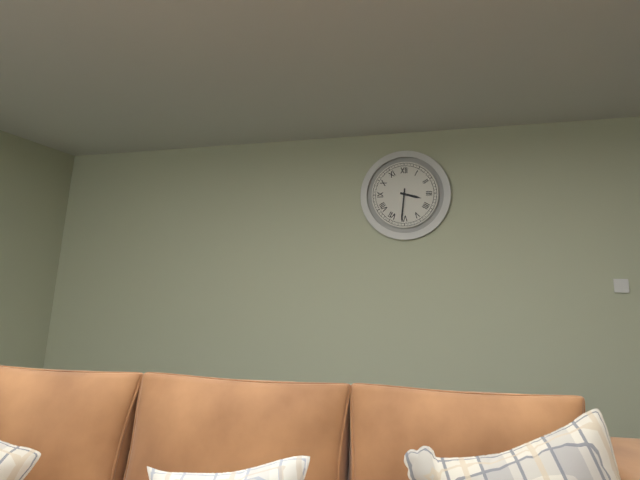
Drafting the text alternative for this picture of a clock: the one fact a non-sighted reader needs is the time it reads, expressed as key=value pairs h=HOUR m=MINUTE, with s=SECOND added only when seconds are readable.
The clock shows h=3 m=31
